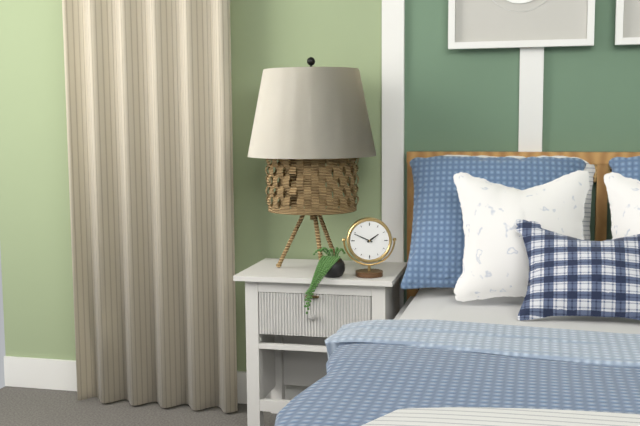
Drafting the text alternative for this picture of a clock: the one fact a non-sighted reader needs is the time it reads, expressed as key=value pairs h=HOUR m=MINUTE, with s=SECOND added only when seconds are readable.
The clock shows h=1 m=49
